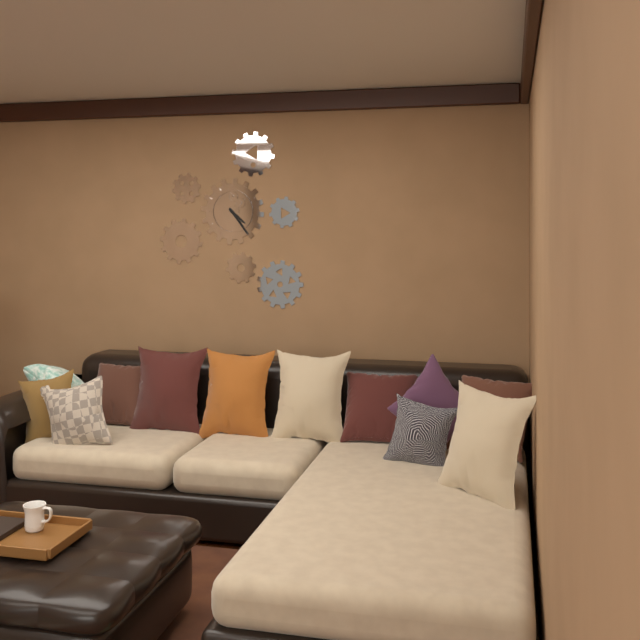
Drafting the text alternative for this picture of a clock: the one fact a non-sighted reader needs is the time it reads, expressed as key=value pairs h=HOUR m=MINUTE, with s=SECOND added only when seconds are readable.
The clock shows h=4 m=24
